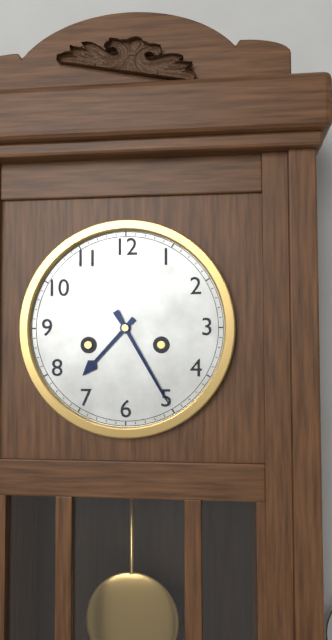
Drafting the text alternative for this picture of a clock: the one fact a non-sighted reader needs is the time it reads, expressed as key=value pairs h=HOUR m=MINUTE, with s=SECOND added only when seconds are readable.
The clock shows h=7 m=25
